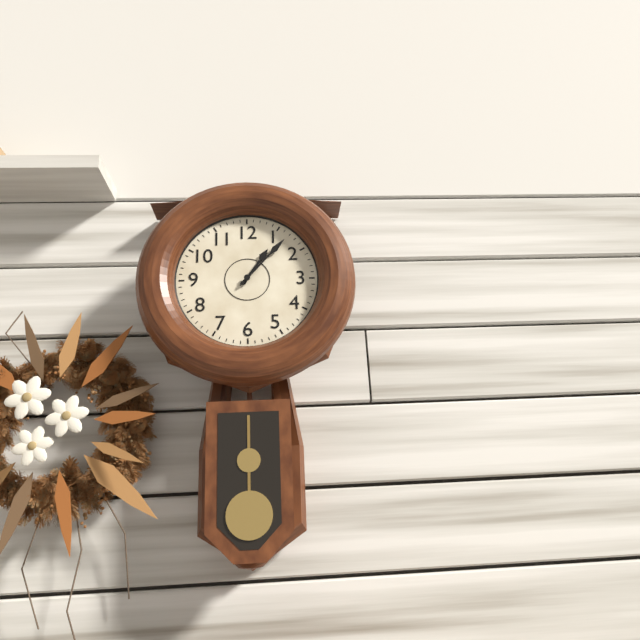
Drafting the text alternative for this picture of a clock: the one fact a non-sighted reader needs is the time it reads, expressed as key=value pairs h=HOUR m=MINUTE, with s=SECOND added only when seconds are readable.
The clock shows h=1 m=7
